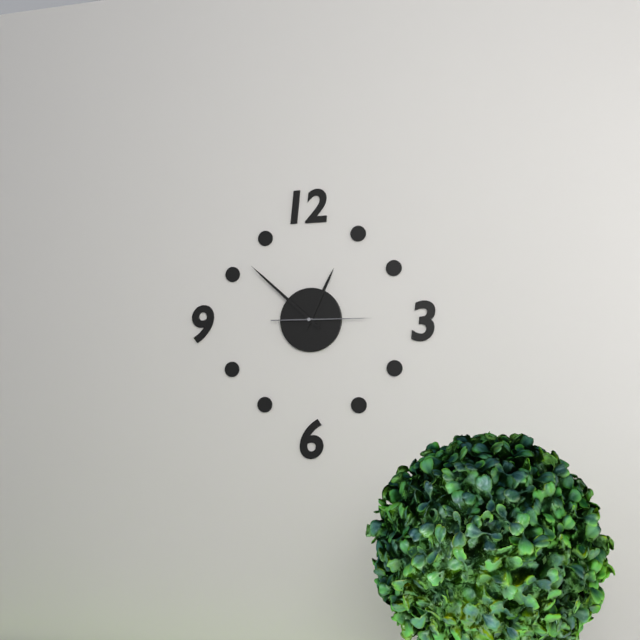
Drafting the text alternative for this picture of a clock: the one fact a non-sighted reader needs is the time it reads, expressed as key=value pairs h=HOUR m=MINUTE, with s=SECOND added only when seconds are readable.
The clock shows h=12 m=52 s=15
